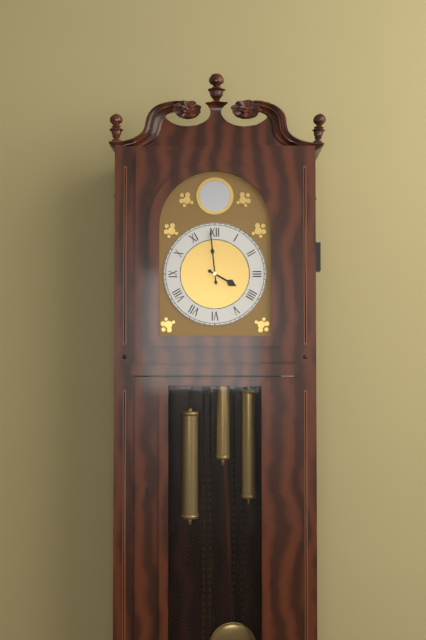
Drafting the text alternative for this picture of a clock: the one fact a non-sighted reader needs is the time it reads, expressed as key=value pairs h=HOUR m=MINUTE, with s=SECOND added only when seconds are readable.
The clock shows h=3 m=59
